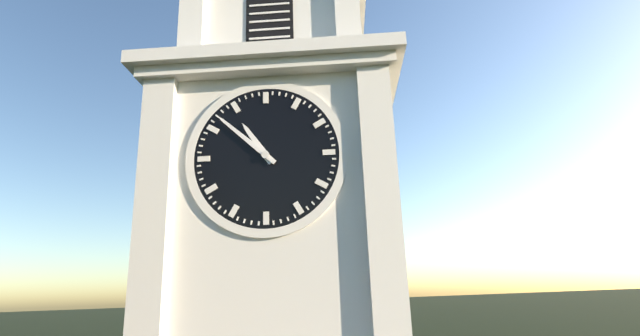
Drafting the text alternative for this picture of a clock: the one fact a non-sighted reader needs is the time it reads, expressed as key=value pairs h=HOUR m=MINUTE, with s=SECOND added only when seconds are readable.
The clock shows h=10 m=52
